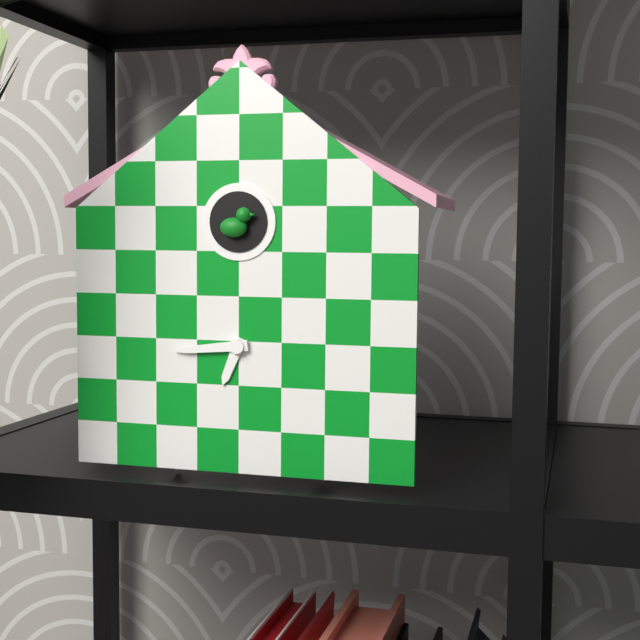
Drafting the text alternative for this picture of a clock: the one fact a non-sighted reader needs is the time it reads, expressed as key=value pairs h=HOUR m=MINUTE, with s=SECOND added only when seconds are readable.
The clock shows h=6 m=44
